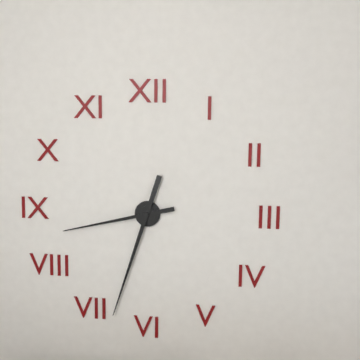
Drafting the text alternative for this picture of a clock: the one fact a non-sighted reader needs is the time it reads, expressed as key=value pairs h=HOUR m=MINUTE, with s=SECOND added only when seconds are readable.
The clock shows h=8 m=33
